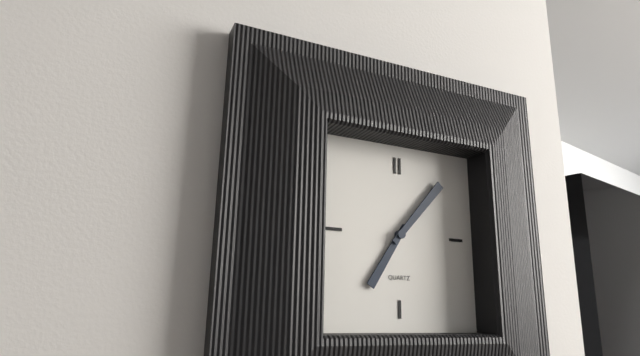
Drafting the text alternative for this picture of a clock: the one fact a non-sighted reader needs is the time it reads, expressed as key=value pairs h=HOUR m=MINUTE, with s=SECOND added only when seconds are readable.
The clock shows h=7 m=7
